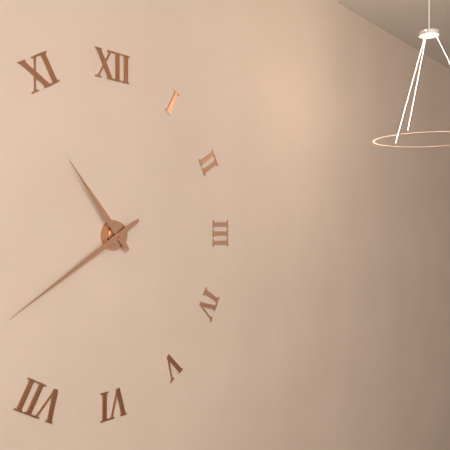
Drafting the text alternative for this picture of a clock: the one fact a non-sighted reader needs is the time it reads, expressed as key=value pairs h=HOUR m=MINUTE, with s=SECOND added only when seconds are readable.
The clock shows h=10 m=40
